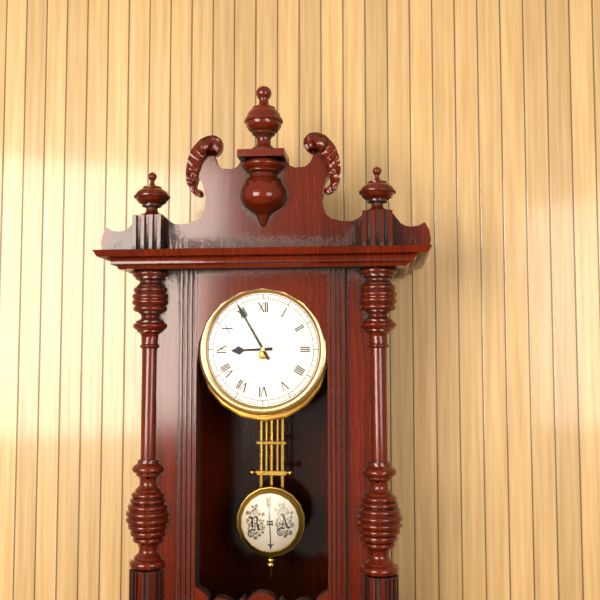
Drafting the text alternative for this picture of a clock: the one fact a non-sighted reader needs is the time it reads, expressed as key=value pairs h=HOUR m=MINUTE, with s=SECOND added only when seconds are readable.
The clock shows h=8 m=55
